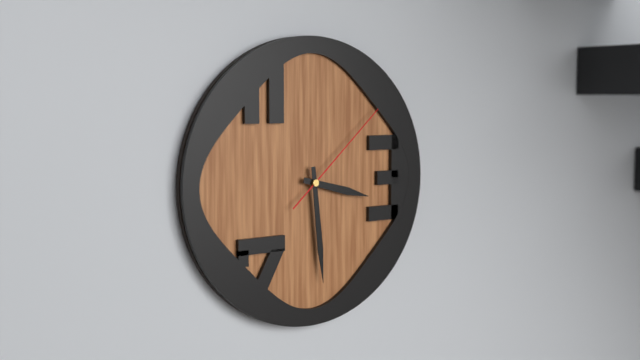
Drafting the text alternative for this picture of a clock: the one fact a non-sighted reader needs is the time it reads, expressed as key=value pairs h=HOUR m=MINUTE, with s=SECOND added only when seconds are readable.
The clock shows h=3 m=29 s=8
